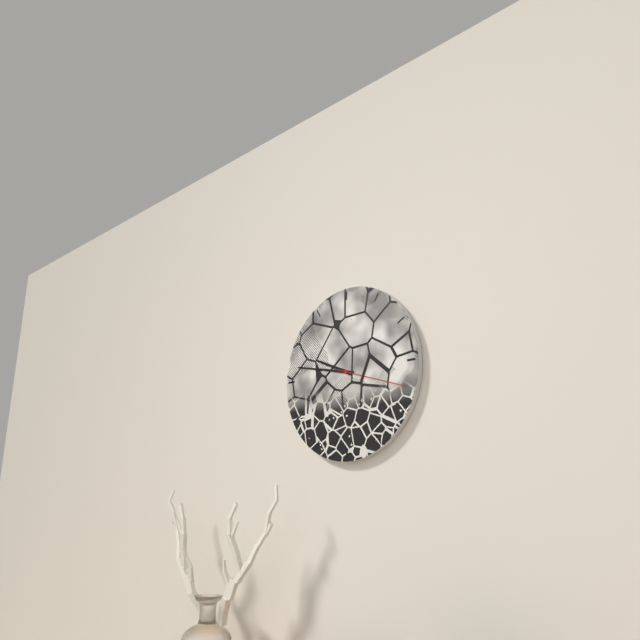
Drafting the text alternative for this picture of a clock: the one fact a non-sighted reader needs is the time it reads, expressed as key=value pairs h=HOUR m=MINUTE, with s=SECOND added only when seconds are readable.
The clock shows h=9 m=47 s=18
